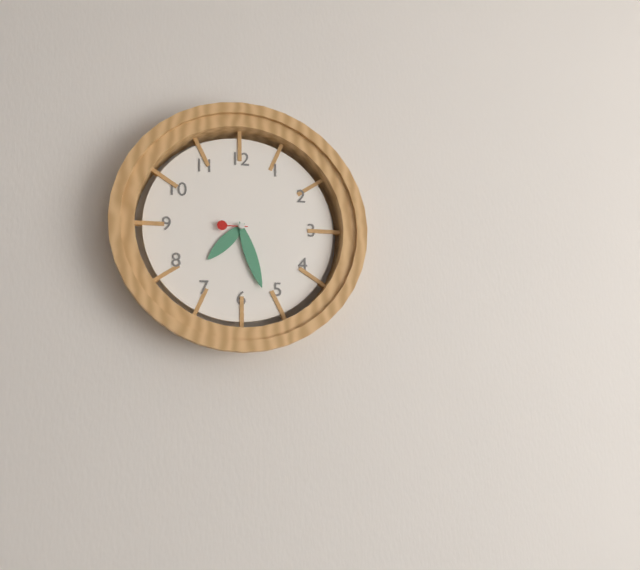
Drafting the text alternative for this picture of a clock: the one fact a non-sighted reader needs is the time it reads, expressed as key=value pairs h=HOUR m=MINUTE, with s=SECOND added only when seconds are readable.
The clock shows h=7 m=27
